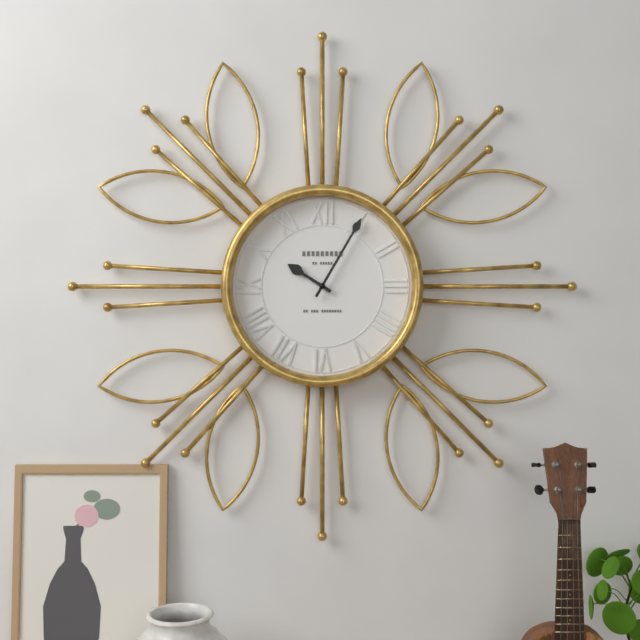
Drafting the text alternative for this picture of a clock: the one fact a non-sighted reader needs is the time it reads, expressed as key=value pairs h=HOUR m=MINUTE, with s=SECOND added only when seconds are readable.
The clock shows h=10 m=5
